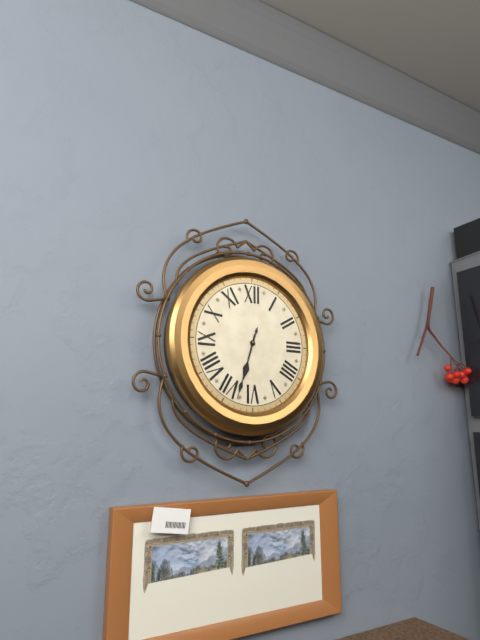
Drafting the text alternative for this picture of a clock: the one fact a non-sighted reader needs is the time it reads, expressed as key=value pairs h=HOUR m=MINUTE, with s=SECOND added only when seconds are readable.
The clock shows h=6 m=33
